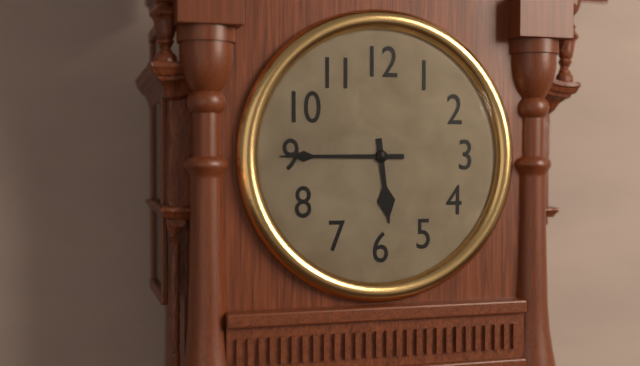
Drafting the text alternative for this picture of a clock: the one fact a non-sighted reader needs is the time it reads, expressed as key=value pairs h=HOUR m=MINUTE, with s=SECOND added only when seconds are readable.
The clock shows h=5 m=45
